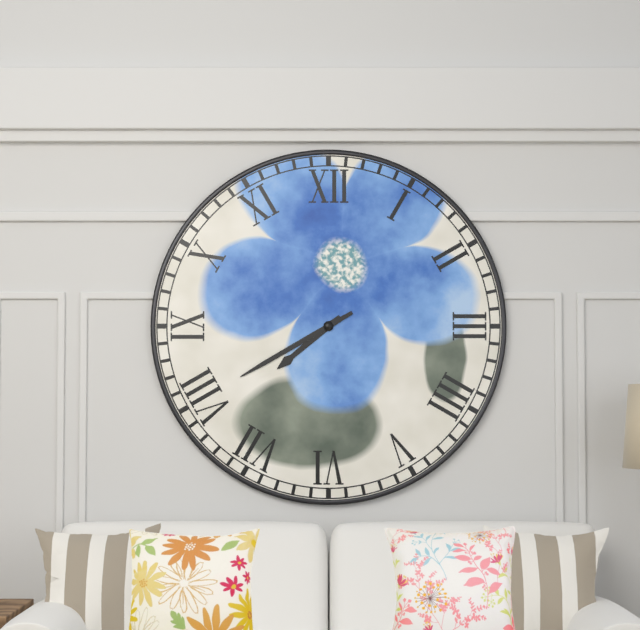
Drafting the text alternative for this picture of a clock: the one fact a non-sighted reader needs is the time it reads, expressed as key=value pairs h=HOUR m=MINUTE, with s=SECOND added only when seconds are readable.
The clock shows h=7 m=40
